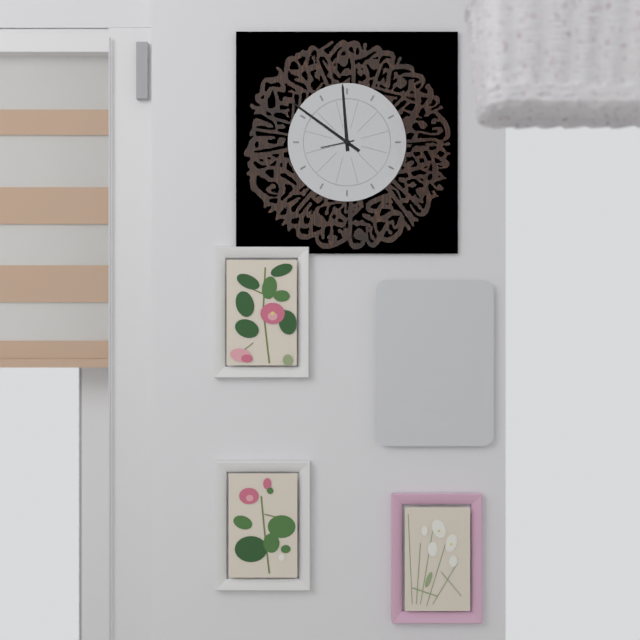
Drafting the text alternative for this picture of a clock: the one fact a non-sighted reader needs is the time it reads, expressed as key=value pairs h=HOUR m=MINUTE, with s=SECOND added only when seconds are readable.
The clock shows h=11 m=51
